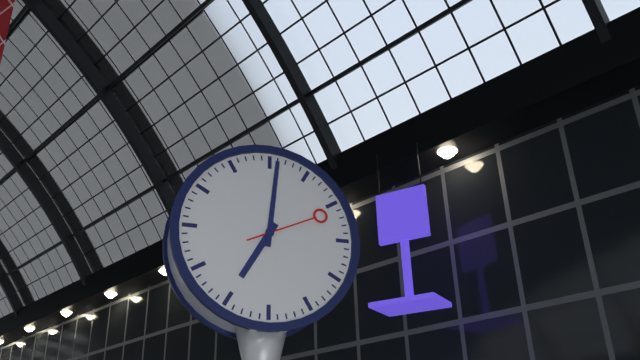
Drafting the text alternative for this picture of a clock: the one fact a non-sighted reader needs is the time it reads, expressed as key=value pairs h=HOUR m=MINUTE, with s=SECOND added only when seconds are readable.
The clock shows h=7 m=1 s=11
